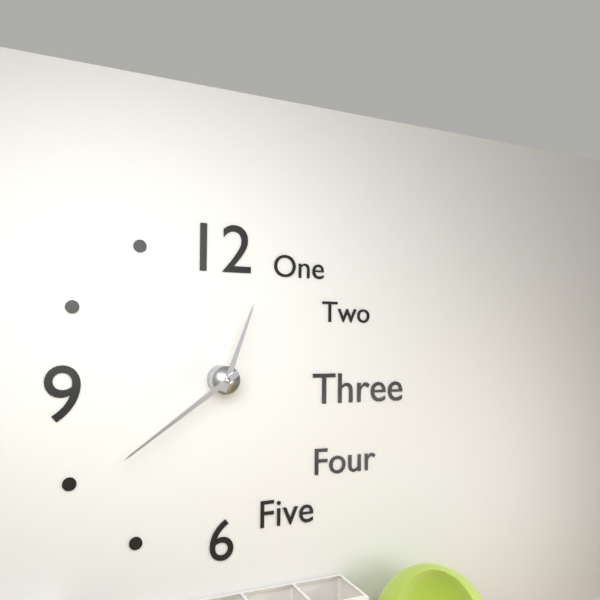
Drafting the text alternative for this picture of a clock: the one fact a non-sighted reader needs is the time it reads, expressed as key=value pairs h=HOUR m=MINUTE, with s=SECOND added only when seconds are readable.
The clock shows h=12 m=39
